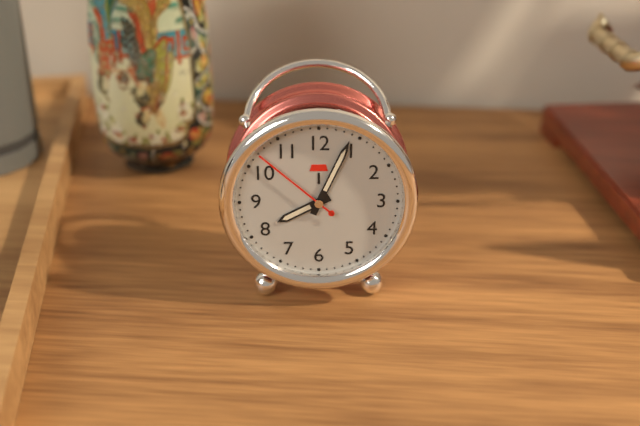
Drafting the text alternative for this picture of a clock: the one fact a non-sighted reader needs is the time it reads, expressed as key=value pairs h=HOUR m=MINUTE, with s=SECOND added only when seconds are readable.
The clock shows h=8 m=4 s=52
